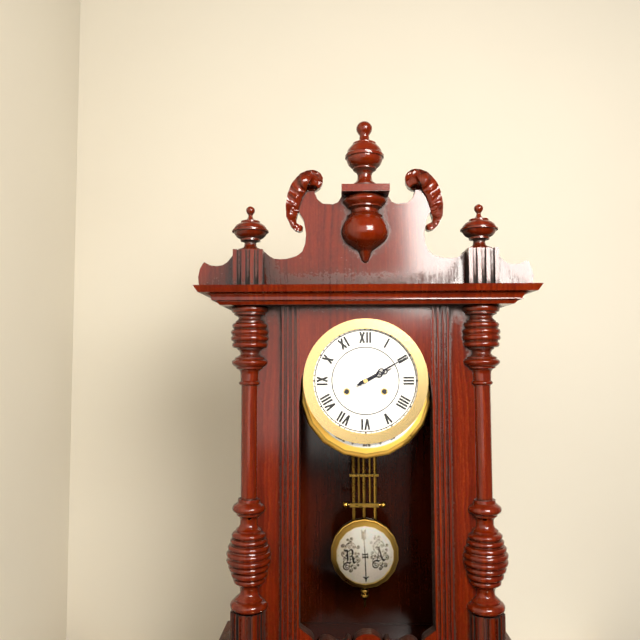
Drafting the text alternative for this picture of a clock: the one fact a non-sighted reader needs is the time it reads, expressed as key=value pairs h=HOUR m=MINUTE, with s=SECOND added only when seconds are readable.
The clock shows h=2 m=10
